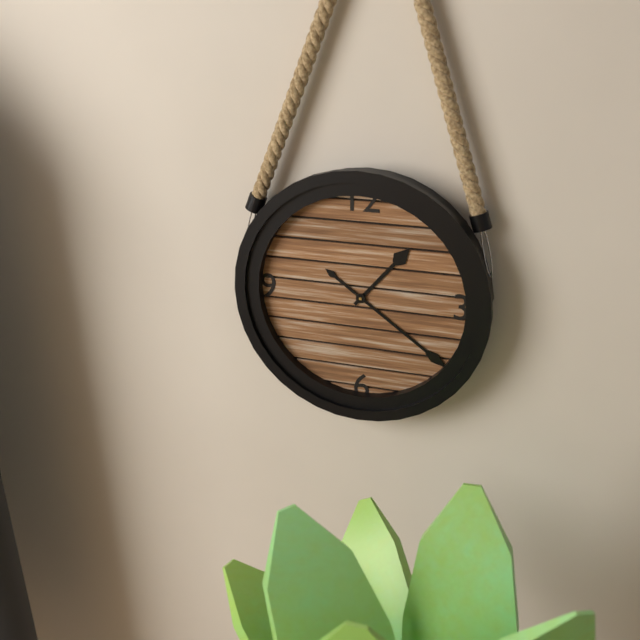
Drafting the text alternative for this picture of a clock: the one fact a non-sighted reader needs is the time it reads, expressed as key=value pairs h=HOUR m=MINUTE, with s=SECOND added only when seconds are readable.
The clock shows h=1 m=21
